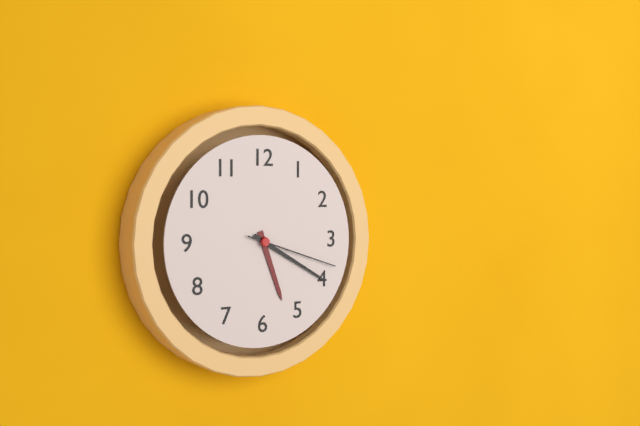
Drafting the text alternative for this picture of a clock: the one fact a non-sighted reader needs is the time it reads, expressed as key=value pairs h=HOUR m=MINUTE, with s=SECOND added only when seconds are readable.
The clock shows h=5 m=20 s=18
